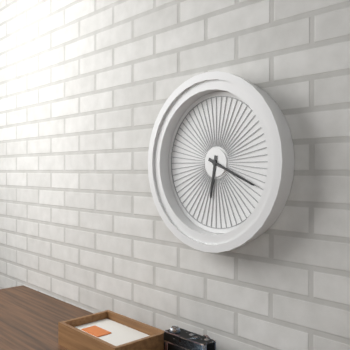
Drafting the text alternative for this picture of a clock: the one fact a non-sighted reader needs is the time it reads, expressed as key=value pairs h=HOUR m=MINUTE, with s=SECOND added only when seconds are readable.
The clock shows h=6 m=19
